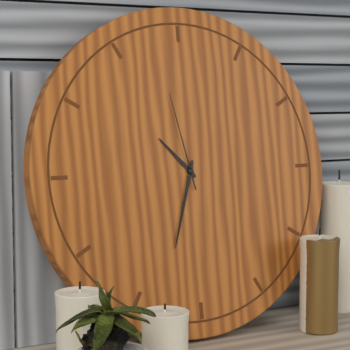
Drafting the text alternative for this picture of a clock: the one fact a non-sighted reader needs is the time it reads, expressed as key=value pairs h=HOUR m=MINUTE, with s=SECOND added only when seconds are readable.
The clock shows h=10 m=33 s=58
